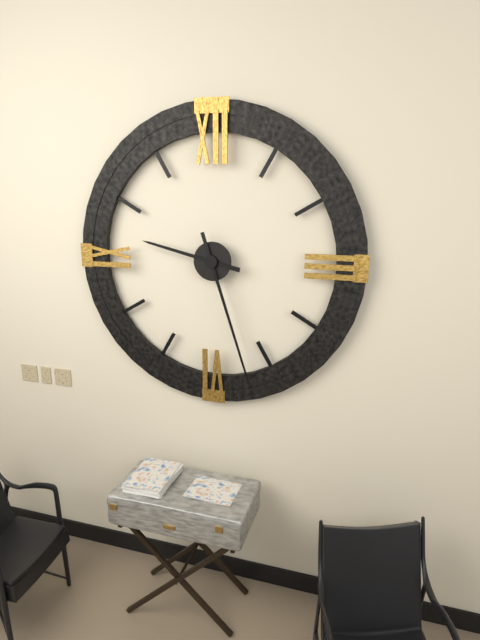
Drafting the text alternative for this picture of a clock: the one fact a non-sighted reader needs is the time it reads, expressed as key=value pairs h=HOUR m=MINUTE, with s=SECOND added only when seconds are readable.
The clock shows h=9 m=27
